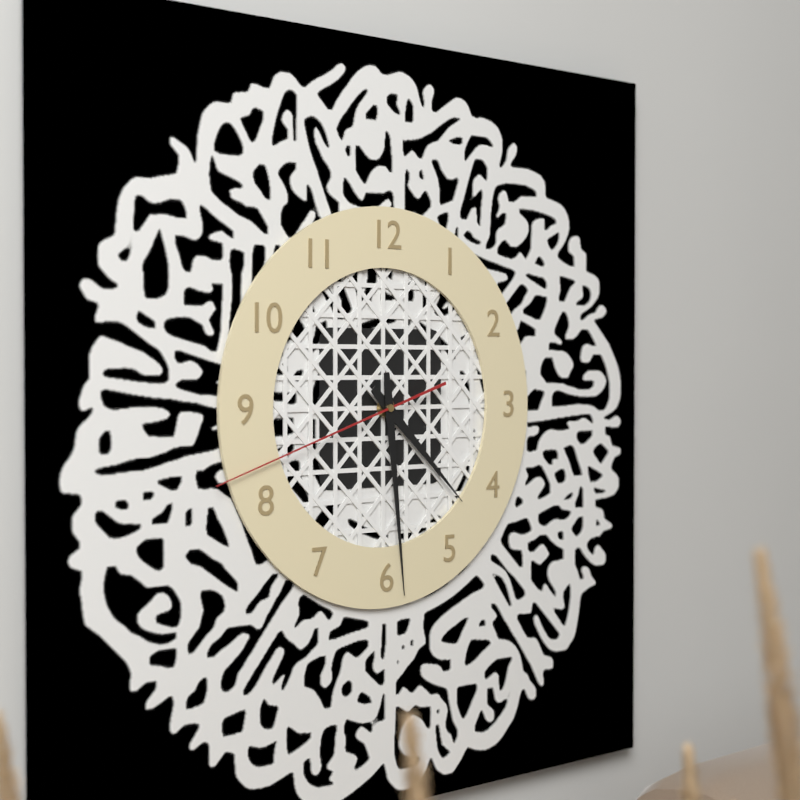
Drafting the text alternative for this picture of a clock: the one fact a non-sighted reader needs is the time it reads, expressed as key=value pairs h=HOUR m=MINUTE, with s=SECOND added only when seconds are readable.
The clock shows h=4 m=29 s=42
